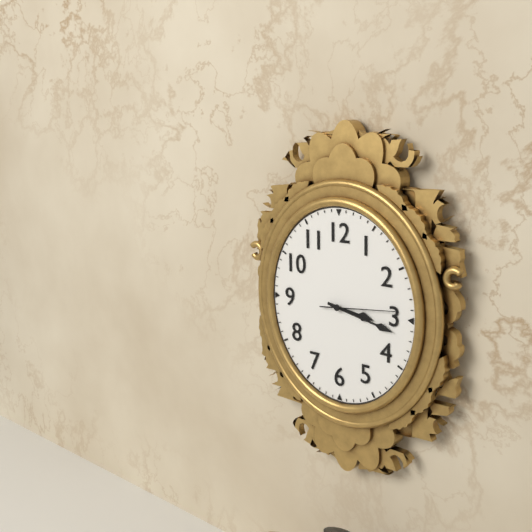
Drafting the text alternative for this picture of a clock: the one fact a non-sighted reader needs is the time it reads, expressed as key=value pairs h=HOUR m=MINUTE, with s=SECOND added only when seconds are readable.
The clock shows h=3 m=17 s=14
